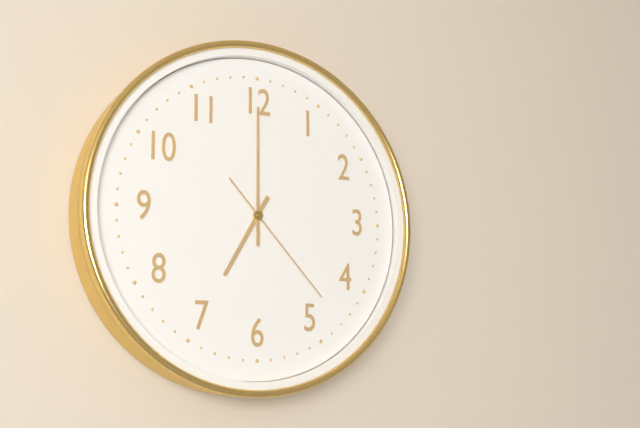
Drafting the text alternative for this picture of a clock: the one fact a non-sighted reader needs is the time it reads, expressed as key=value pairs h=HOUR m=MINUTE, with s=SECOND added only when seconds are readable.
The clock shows h=7 m=0 s=23
